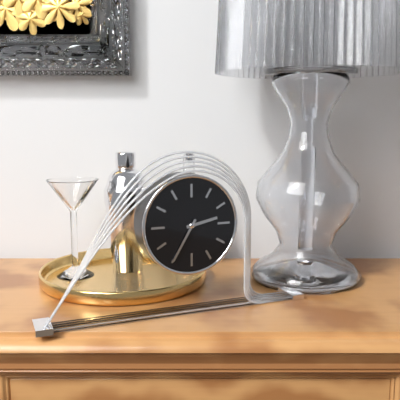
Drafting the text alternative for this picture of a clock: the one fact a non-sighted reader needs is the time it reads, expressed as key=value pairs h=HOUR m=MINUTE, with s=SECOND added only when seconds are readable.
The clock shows h=2 m=35
